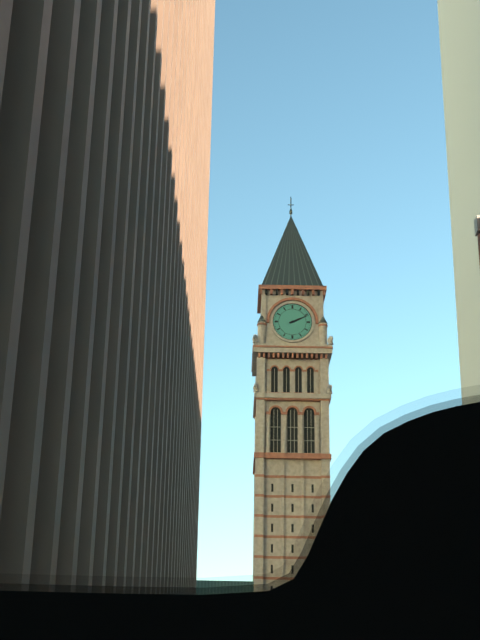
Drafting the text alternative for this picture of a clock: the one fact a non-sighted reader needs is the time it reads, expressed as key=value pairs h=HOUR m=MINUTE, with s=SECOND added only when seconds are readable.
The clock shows h=2 m=11
